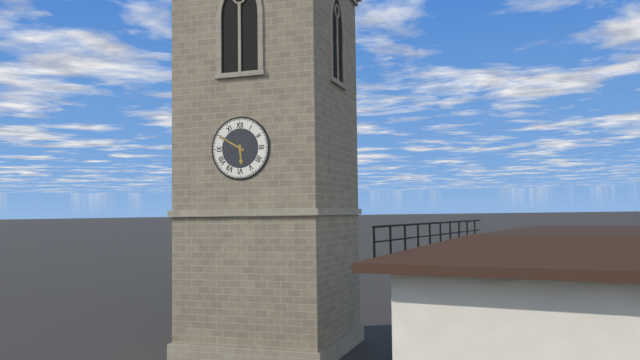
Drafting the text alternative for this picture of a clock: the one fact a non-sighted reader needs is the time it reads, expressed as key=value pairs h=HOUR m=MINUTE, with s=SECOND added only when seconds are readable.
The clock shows h=5 m=50
